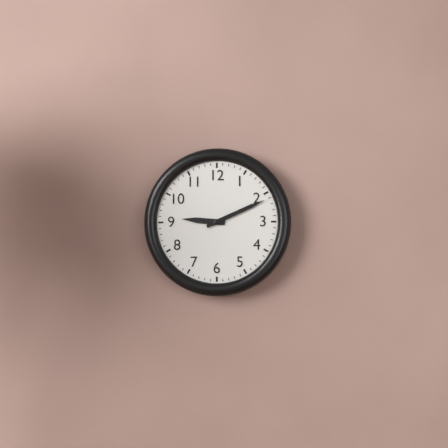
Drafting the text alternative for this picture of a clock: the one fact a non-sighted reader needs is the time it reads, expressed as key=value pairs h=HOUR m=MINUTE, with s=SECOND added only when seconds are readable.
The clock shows h=9 m=11
